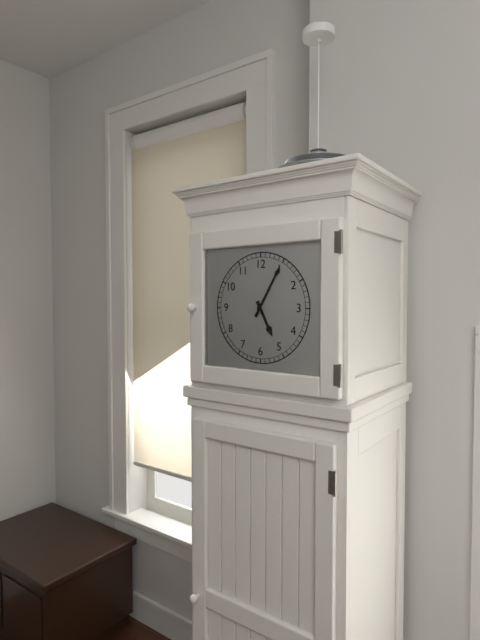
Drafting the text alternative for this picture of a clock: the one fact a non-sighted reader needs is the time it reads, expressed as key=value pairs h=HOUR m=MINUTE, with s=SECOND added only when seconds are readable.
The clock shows h=5 m=5
